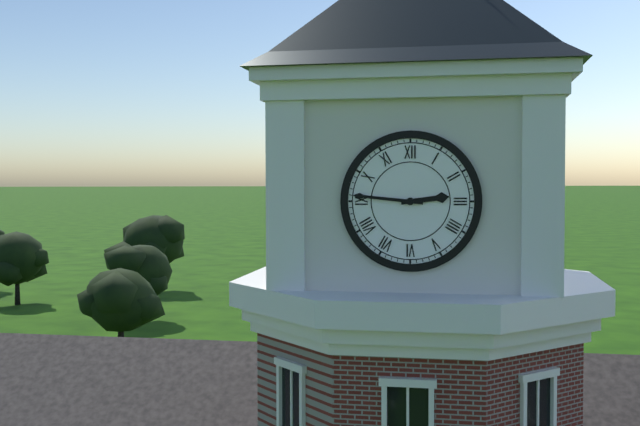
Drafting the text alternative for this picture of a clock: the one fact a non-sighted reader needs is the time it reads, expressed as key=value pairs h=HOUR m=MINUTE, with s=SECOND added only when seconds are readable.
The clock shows h=2 m=46
